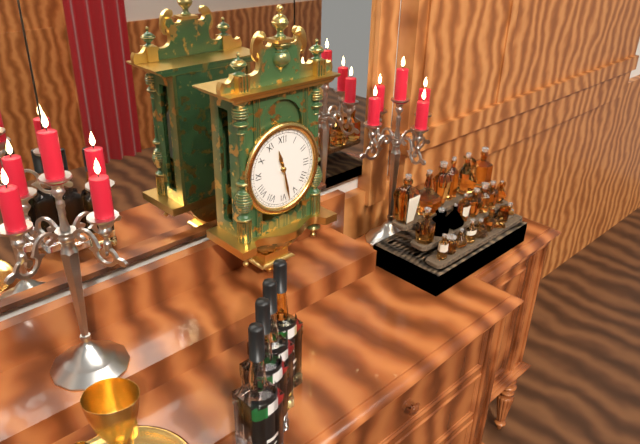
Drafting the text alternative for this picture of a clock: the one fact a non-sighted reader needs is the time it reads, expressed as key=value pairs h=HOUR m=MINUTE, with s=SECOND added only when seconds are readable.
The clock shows h=11 m=28
